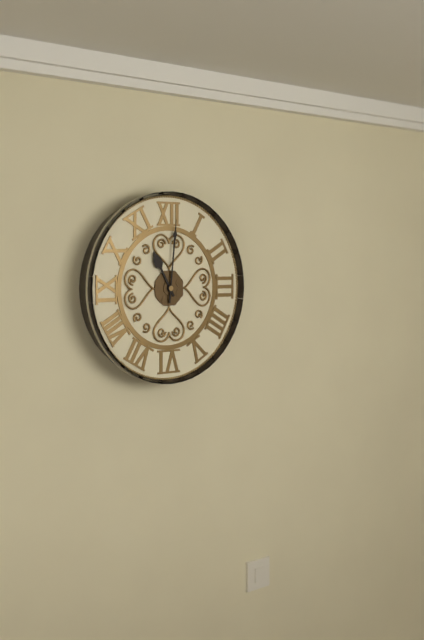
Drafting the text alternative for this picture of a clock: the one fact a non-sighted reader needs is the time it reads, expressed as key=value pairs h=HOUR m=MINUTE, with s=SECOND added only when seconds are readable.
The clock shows h=11 m=1
